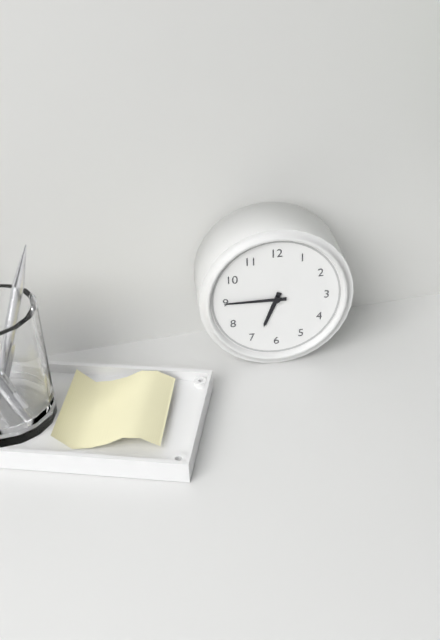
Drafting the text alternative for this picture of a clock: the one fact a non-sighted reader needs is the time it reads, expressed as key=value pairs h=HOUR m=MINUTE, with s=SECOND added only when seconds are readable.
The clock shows h=6 m=45
